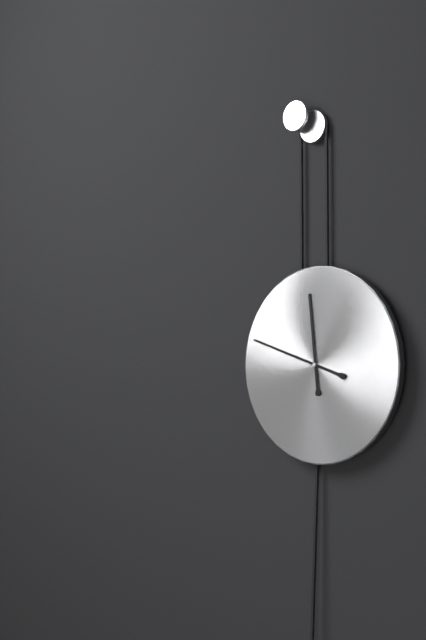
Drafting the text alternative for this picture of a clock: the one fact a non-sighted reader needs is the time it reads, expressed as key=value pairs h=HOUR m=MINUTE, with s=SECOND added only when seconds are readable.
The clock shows h=11 m=48
